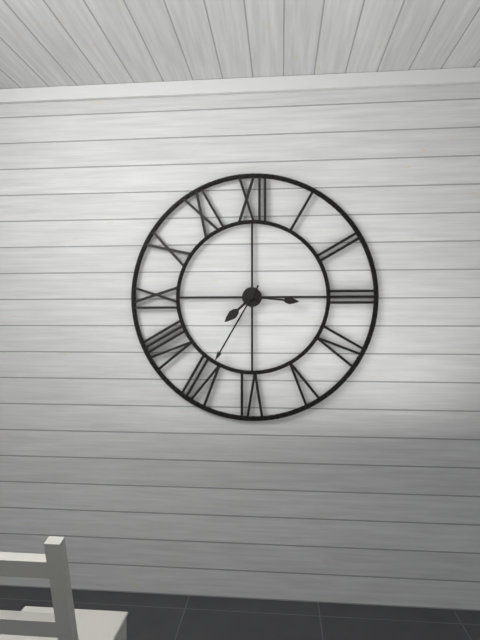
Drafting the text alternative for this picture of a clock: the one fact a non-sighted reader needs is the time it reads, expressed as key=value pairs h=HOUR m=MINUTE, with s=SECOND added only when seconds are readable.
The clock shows h=7 m=35 s=16
